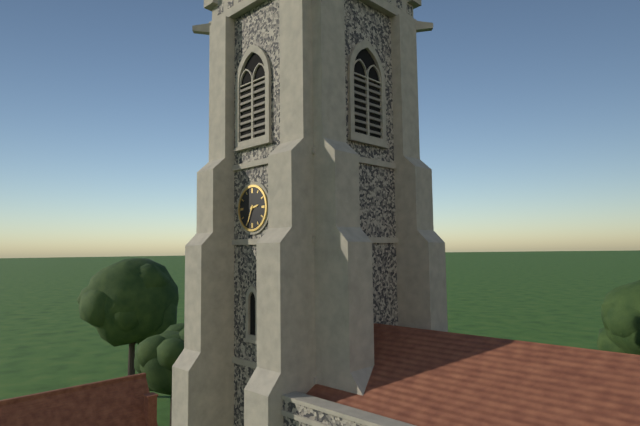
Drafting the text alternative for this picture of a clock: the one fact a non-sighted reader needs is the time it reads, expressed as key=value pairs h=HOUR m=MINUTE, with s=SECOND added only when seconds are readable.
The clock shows h=2 m=34
